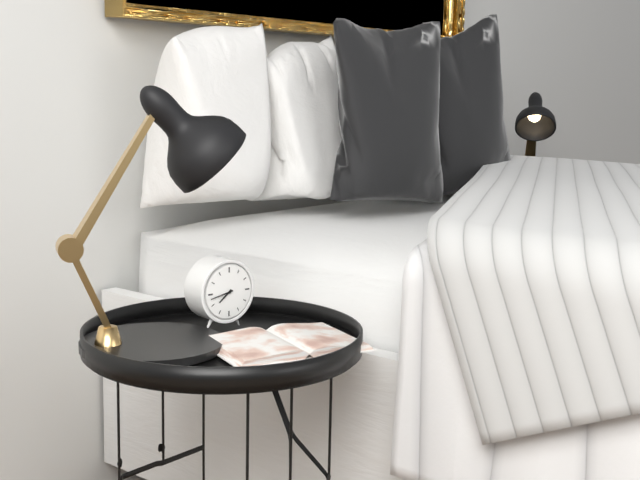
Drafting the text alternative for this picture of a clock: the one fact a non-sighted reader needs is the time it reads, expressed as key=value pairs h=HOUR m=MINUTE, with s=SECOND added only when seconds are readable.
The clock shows h=7 m=43
